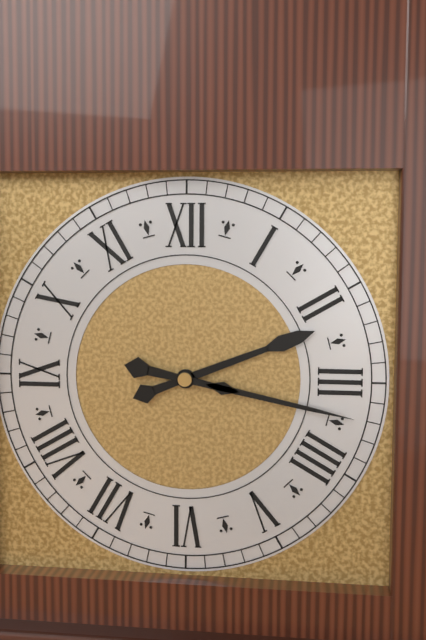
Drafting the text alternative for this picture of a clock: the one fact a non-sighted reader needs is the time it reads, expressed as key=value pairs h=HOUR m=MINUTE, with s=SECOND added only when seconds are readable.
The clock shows h=2 m=17
